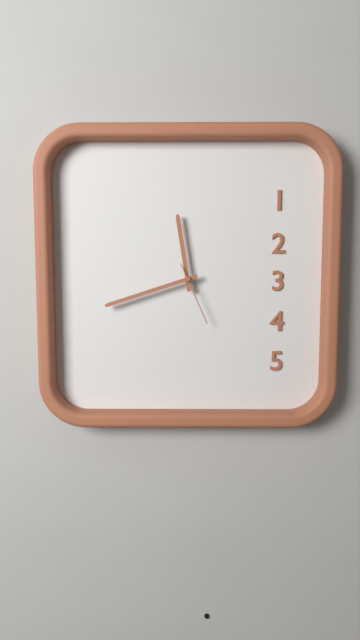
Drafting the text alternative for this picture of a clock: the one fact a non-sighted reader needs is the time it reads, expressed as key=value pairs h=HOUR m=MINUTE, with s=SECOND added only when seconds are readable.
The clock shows h=11 m=42 s=26
